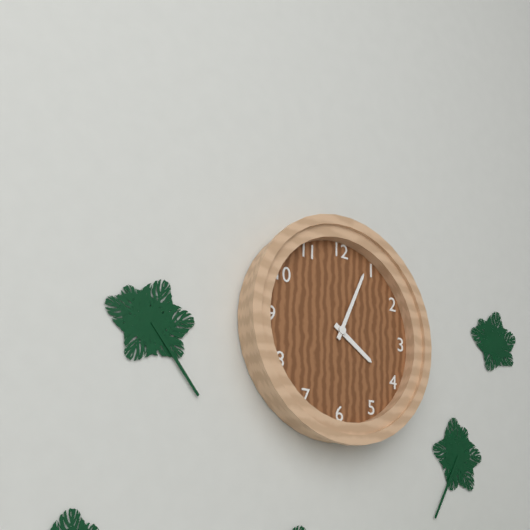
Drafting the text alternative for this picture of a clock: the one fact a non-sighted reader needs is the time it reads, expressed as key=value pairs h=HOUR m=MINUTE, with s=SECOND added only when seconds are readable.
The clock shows h=4 m=4
